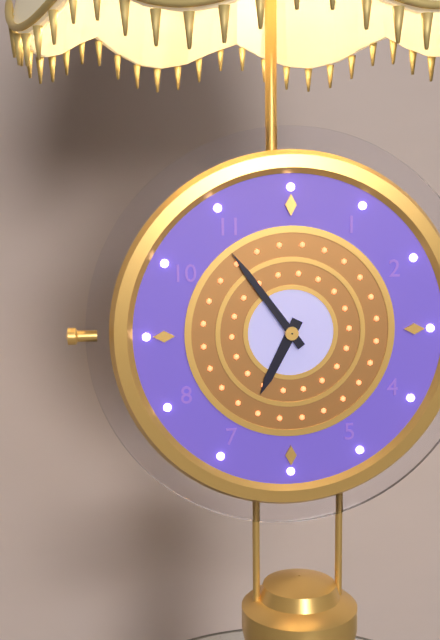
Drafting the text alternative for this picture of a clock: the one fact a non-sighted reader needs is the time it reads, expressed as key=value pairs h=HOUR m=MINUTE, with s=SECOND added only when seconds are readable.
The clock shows h=6 m=54
